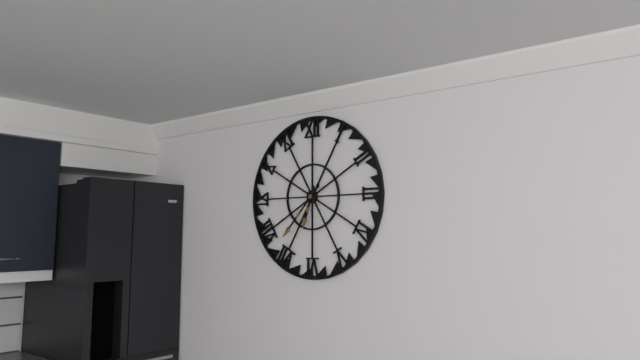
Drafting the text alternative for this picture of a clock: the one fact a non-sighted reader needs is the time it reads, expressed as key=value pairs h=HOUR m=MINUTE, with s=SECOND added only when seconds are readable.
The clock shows h=6 m=37
